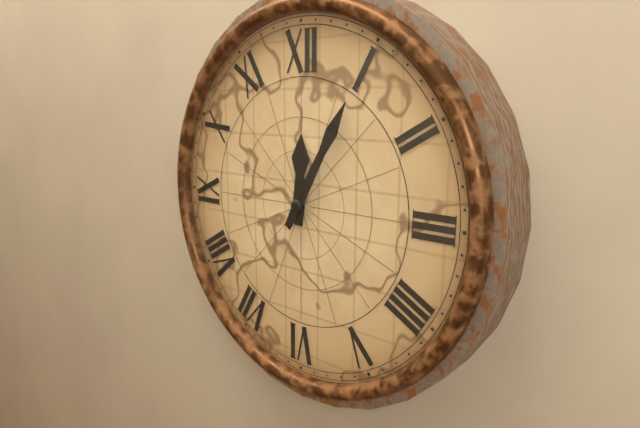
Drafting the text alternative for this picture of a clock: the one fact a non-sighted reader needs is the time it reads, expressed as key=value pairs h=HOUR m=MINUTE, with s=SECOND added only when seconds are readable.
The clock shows h=12 m=5
